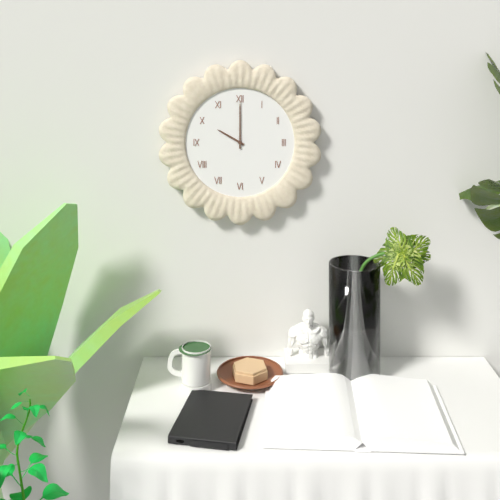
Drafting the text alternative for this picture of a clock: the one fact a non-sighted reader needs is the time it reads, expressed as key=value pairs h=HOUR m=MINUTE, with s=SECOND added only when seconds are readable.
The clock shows h=10 m=0
